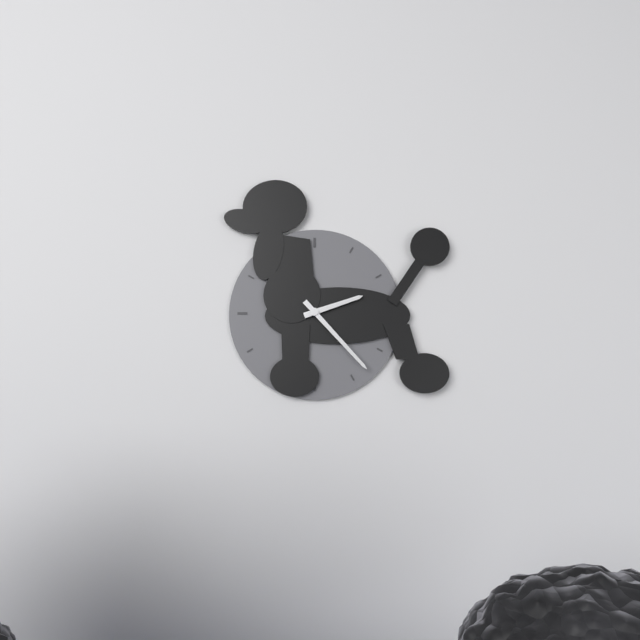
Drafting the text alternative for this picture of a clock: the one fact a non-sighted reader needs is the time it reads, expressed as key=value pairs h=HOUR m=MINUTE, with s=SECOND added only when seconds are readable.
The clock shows h=2 m=23
